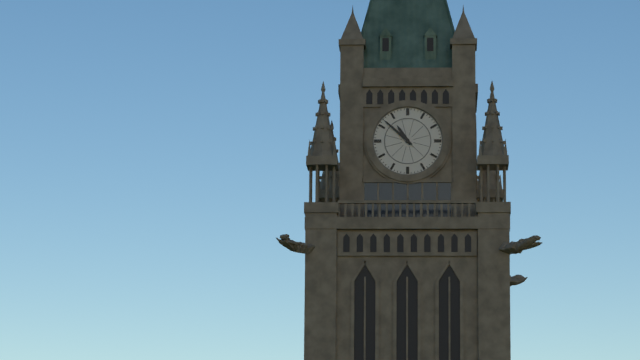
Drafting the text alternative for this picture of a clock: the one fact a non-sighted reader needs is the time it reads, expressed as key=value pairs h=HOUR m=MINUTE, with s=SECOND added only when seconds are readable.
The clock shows h=10 m=52
